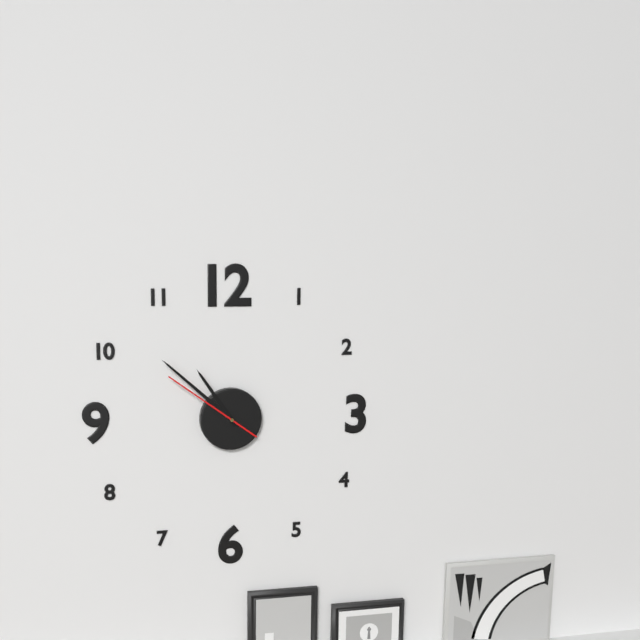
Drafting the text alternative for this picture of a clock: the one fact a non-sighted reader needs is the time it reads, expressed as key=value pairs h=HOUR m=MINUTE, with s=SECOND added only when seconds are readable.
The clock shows h=10 m=52 s=51
